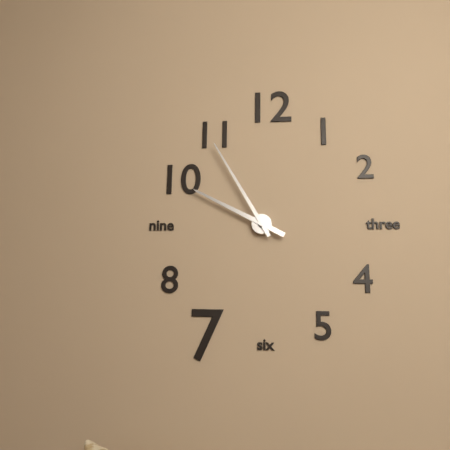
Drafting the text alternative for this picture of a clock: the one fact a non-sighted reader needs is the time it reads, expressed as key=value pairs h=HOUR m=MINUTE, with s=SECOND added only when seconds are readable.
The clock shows h=9 m=55
